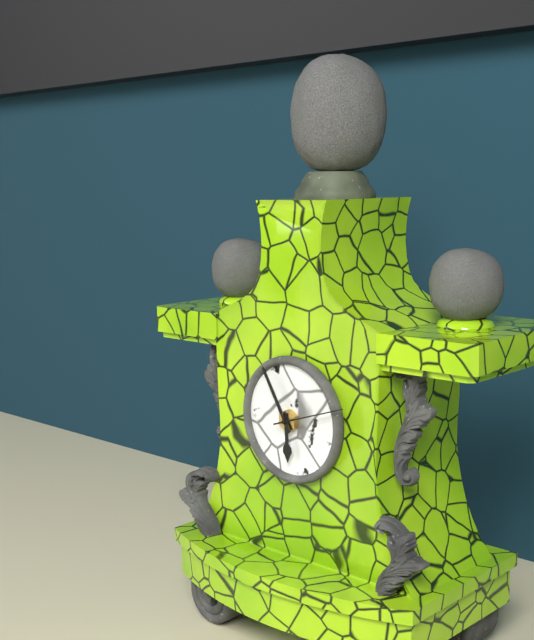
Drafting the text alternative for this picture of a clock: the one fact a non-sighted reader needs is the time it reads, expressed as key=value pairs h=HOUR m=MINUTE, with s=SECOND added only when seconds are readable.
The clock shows h=5 m=55
